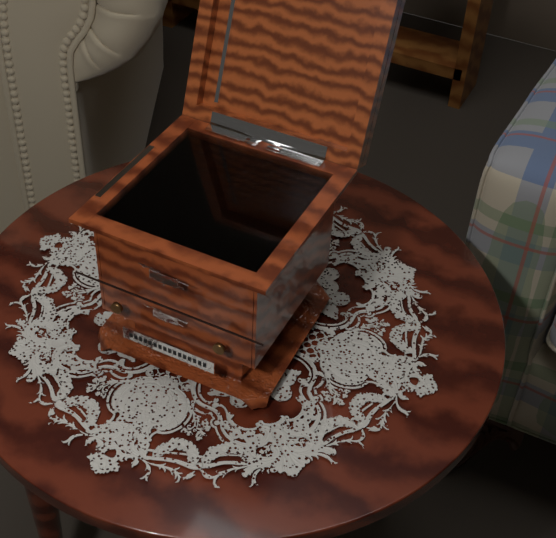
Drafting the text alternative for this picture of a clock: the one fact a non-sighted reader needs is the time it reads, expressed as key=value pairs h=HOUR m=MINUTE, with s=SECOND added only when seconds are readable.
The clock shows h=3 m=35
